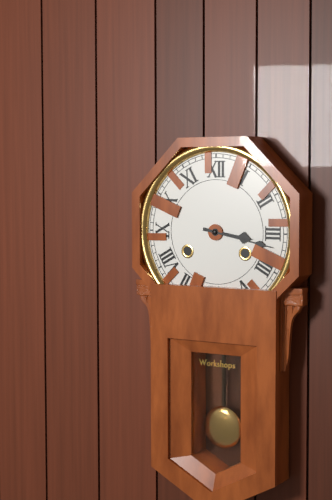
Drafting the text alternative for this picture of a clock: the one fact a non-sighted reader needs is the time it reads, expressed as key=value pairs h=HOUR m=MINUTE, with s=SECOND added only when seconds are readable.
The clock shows h=3 m=17
